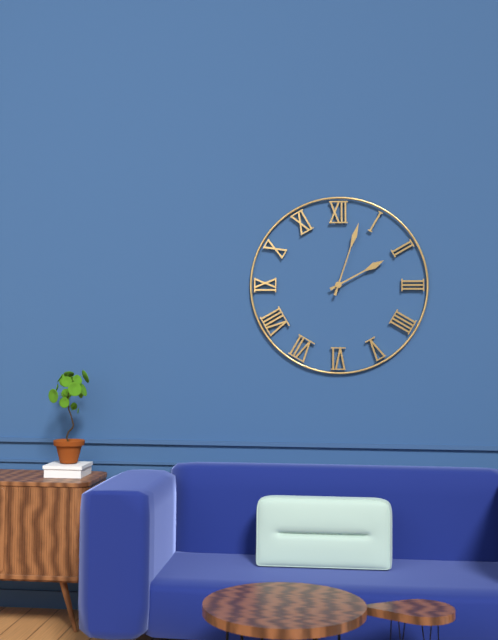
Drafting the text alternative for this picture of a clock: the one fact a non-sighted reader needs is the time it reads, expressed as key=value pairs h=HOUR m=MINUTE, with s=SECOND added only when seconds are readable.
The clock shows h=2 m=3
